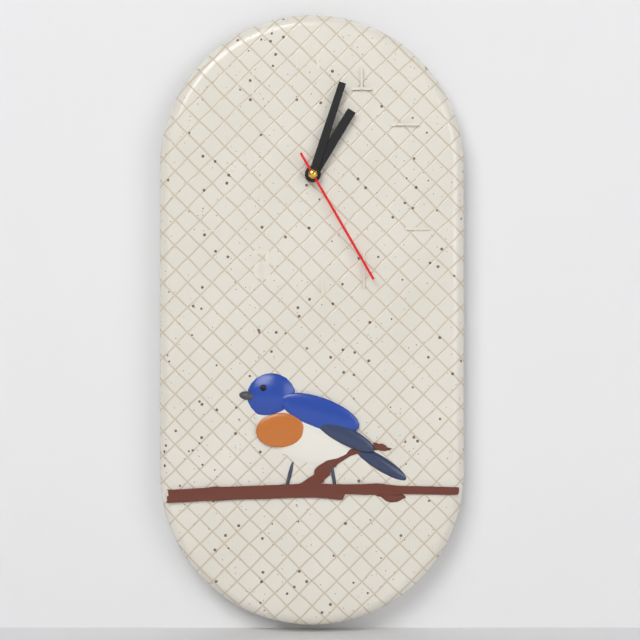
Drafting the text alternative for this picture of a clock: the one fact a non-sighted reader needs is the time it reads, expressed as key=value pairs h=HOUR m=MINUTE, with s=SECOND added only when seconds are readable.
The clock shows h=1 m=3 s=25
